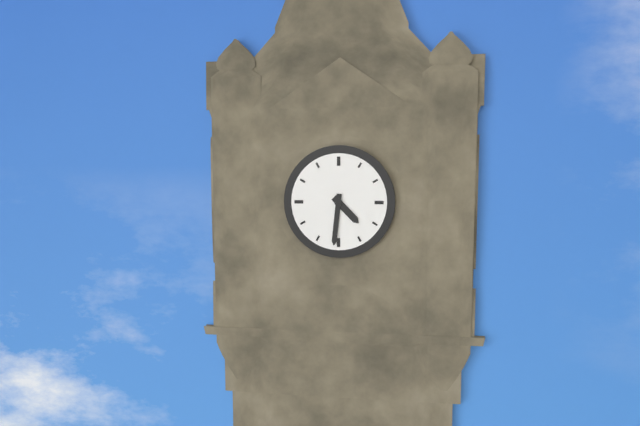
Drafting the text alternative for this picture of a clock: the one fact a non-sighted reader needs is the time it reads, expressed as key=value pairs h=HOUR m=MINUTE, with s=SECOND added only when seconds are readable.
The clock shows h=4 m=31
